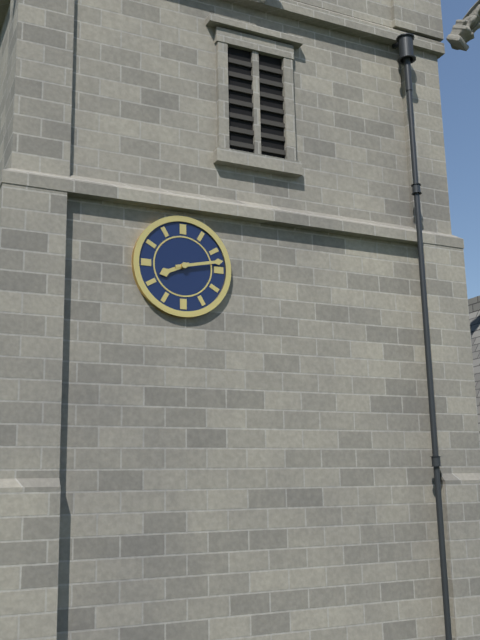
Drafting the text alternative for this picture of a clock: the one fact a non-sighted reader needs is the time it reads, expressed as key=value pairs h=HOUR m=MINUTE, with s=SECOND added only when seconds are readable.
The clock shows h=8 m=13
